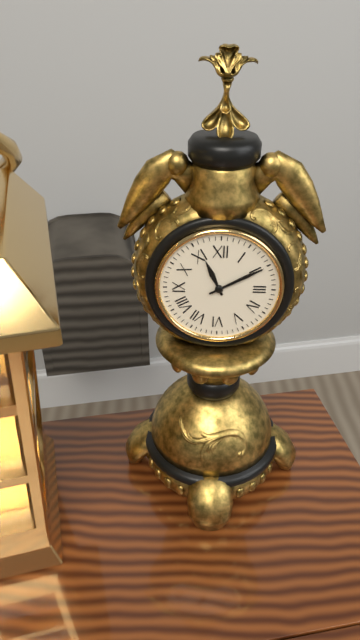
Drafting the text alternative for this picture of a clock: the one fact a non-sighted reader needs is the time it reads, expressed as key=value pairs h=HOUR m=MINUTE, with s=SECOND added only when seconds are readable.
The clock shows h=11 m=10
